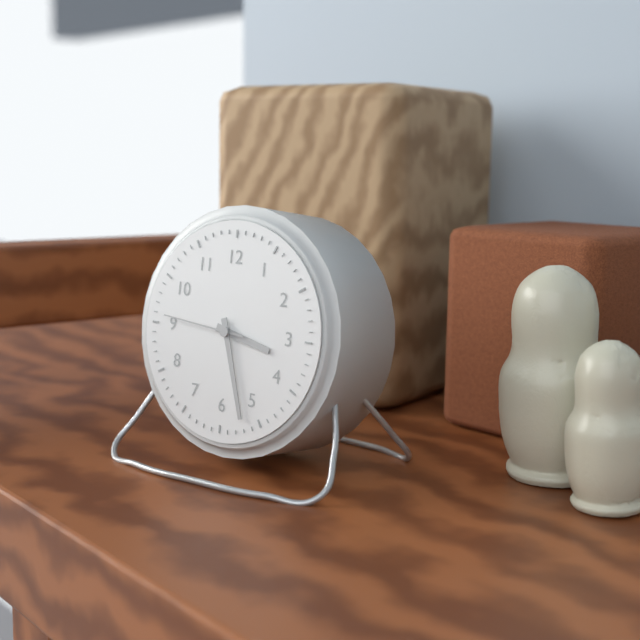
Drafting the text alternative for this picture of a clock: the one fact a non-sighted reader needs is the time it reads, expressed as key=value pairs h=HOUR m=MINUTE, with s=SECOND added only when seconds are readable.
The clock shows h=3 m=27 s=46
